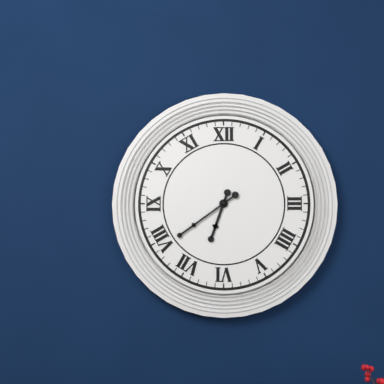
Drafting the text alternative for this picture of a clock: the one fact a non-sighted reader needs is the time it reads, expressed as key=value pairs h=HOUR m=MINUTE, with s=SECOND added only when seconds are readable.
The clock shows h=6 m=39
